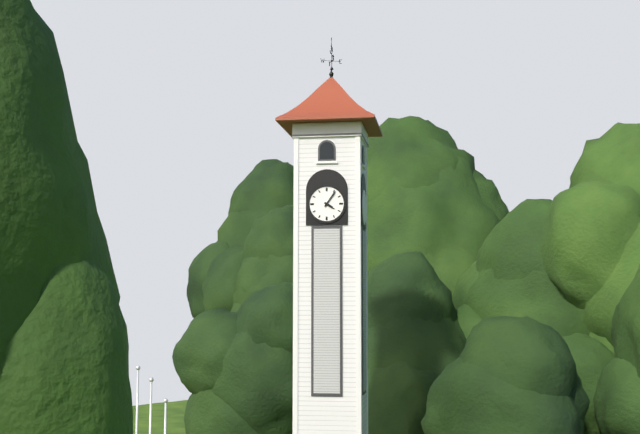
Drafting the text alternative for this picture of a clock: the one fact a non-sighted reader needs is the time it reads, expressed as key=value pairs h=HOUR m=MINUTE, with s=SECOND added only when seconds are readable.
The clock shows h=4 m=6
